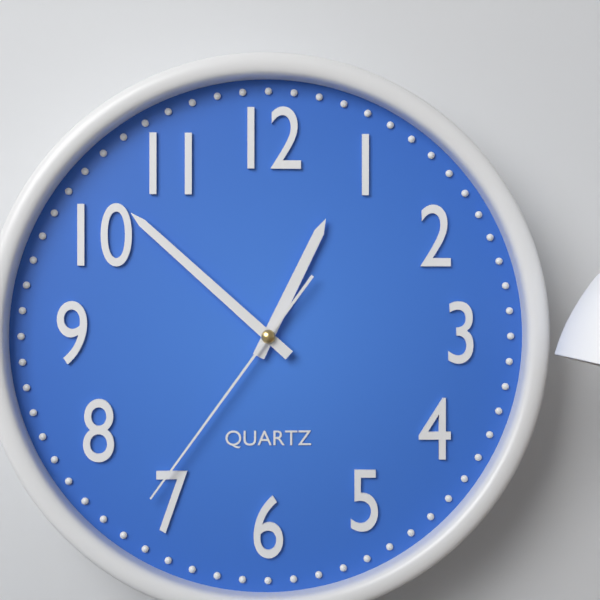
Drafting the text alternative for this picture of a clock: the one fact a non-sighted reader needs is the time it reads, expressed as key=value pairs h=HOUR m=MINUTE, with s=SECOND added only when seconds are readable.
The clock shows h=12 m=52 s=36
